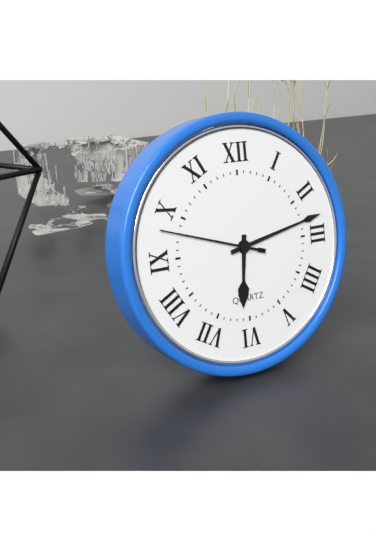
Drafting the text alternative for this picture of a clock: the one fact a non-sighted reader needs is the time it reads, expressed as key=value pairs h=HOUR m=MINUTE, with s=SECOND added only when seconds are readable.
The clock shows h=6 m=13 s=48
